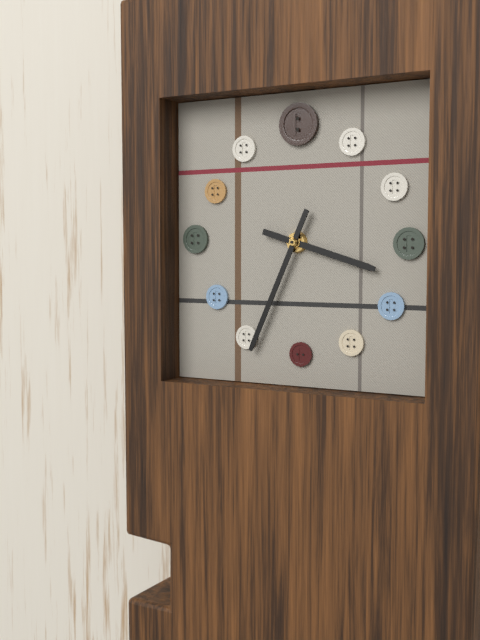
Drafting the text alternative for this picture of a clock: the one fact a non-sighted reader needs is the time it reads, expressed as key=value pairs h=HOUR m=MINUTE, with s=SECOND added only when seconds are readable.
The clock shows h=3 m=34
